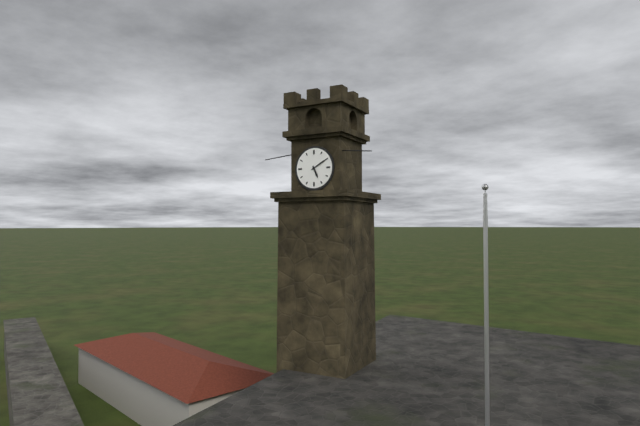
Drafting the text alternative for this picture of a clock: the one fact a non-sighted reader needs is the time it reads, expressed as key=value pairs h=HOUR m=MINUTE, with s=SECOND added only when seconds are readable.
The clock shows h=5 m=10
